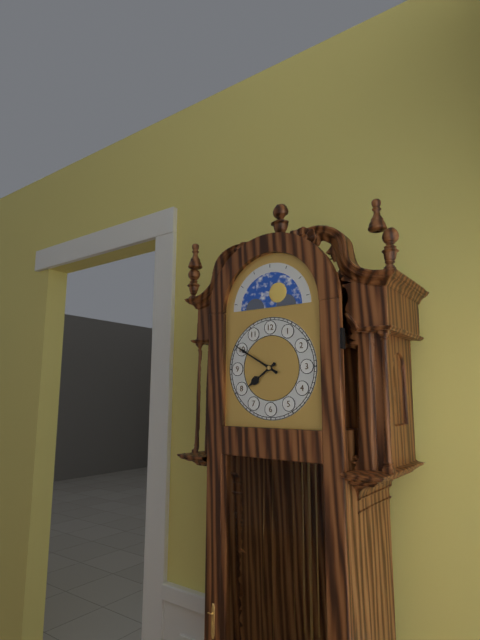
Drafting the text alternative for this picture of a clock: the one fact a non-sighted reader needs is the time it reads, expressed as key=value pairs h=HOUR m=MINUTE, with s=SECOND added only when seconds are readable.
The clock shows h=7 m=50
